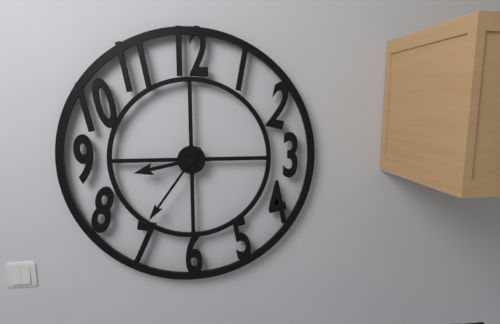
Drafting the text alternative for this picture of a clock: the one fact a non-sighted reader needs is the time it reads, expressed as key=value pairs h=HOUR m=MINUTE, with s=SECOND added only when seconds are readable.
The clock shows h=8 m=36
